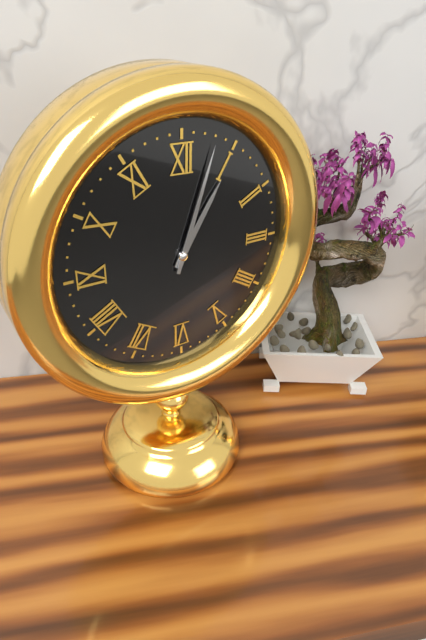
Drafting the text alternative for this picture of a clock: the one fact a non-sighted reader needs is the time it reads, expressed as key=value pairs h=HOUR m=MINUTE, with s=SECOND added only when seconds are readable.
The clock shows h=1 m=3
